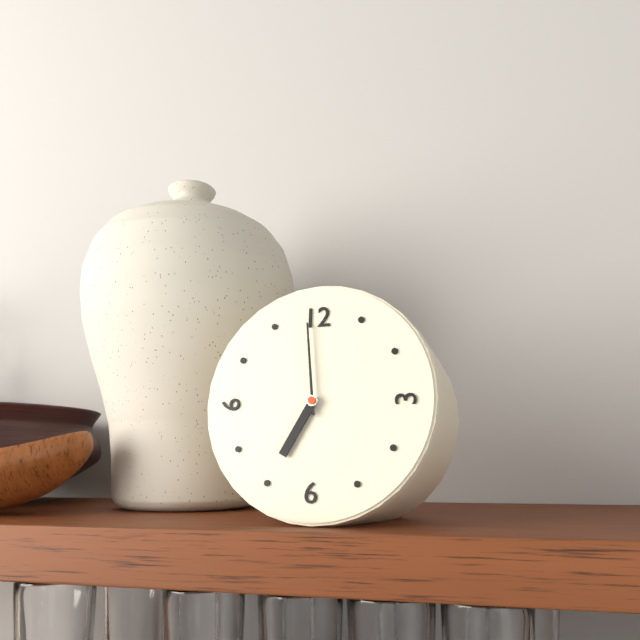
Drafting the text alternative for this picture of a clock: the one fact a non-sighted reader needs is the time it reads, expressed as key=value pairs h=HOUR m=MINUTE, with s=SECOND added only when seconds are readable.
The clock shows h=6 m=59
